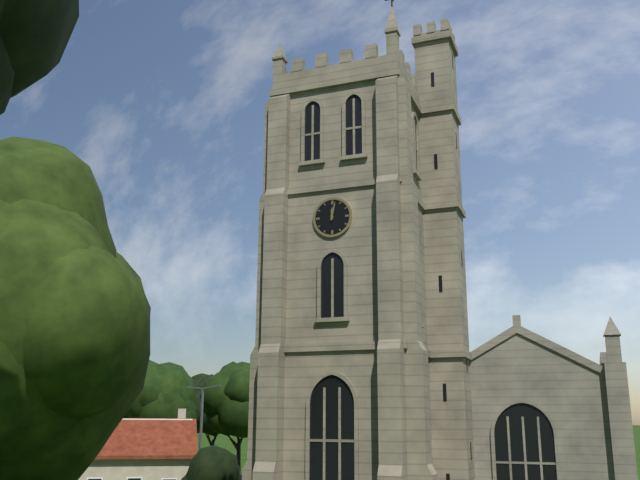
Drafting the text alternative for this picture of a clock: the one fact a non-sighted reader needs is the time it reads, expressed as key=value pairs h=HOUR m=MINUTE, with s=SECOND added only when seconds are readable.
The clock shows h=12 m=2
